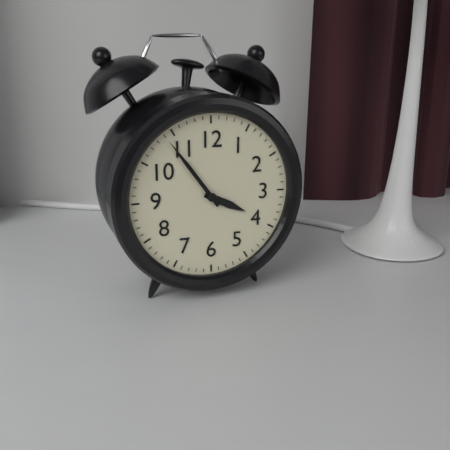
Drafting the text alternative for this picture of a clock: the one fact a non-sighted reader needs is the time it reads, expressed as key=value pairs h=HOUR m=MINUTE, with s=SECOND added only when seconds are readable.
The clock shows h=3 m=54
